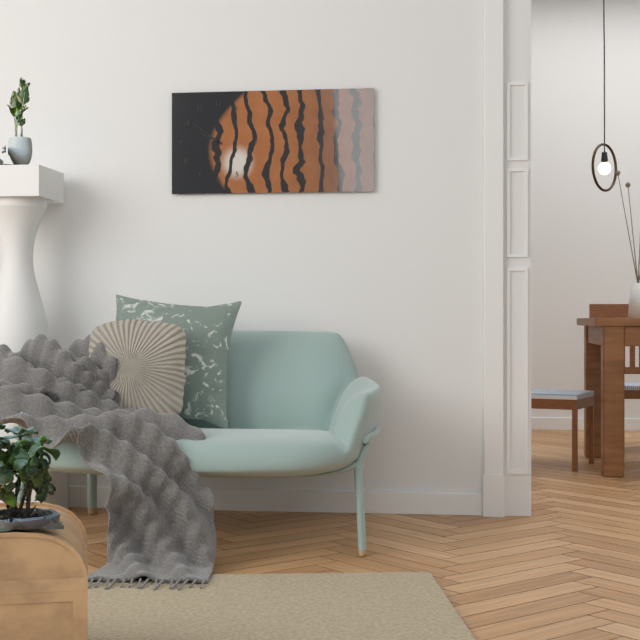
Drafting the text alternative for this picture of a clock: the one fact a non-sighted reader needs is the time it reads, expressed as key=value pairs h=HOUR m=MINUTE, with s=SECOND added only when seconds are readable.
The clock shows h=9 m=51
